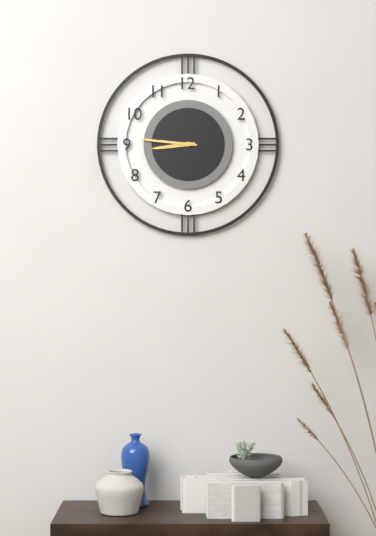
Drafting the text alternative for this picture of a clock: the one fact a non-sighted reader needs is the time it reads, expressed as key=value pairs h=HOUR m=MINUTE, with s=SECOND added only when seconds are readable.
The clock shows h=8 m=46
